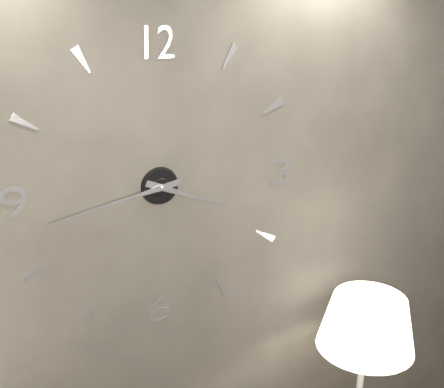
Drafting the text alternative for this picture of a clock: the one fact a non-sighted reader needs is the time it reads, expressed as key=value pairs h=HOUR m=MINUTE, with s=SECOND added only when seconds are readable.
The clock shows h=3 m=43
